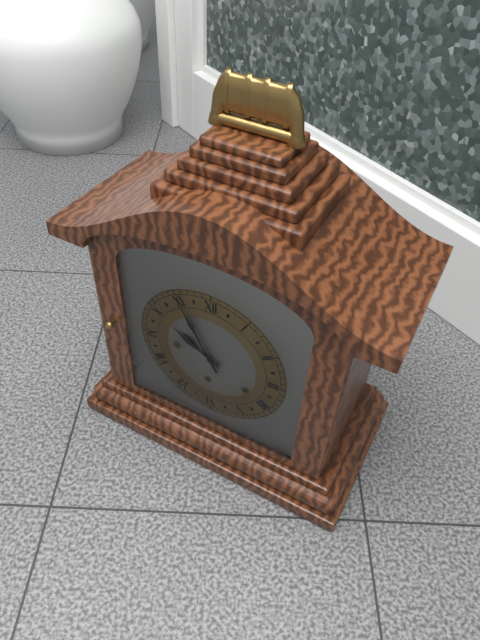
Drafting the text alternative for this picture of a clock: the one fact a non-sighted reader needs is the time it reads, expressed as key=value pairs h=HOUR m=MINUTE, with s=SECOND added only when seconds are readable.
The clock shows h=9 m=55
